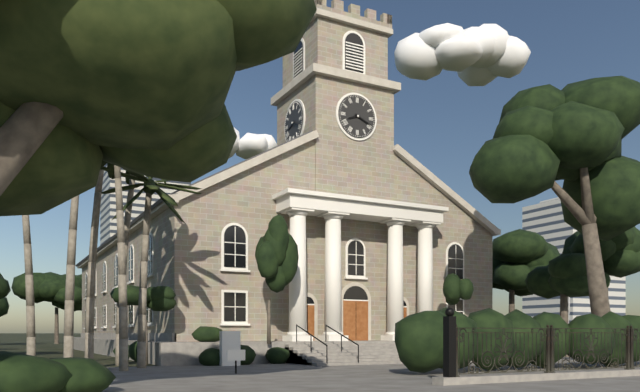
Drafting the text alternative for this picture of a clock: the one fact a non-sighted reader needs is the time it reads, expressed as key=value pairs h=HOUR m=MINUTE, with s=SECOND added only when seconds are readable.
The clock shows h=8 m=19
